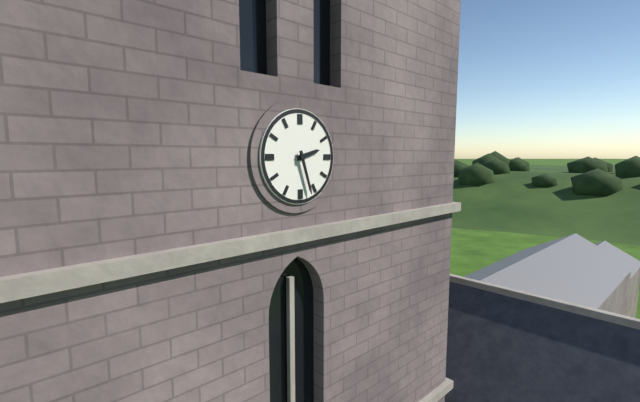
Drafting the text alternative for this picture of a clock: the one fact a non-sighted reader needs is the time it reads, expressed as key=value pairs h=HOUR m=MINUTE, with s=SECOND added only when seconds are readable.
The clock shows h=2 m=27
